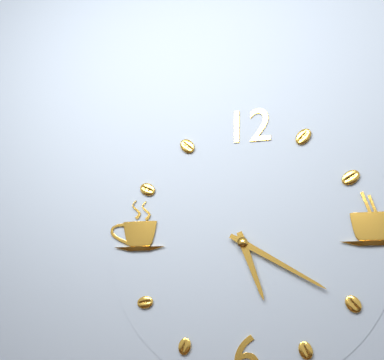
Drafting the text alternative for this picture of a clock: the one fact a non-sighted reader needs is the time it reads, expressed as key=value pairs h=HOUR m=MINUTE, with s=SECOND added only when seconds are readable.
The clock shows h=5 m=20
